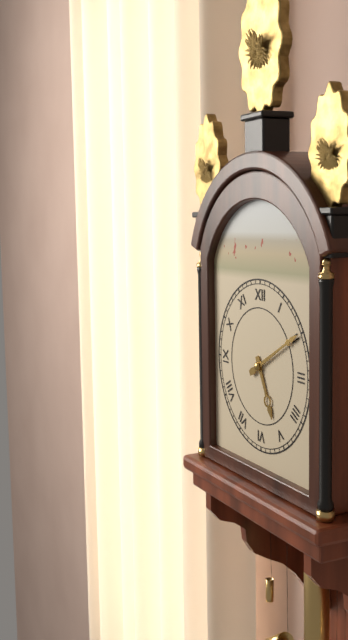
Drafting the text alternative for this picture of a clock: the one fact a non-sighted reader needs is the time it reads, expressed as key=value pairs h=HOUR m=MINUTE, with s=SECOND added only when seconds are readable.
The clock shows h=5 m=10
